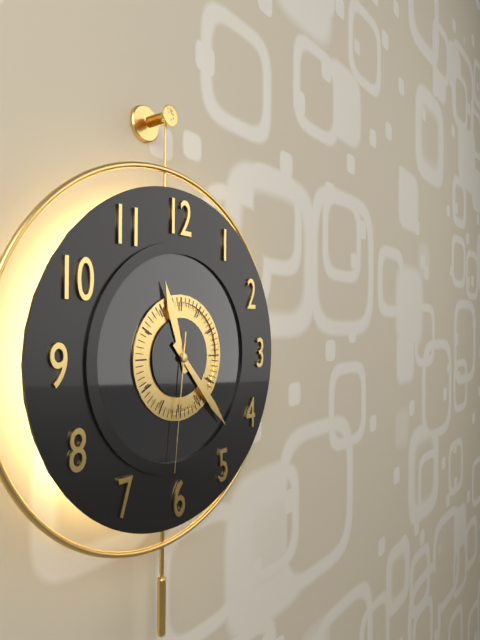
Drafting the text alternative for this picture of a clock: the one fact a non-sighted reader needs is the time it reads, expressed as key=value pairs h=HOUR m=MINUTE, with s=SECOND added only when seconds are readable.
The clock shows h=11 m=23 s=31
